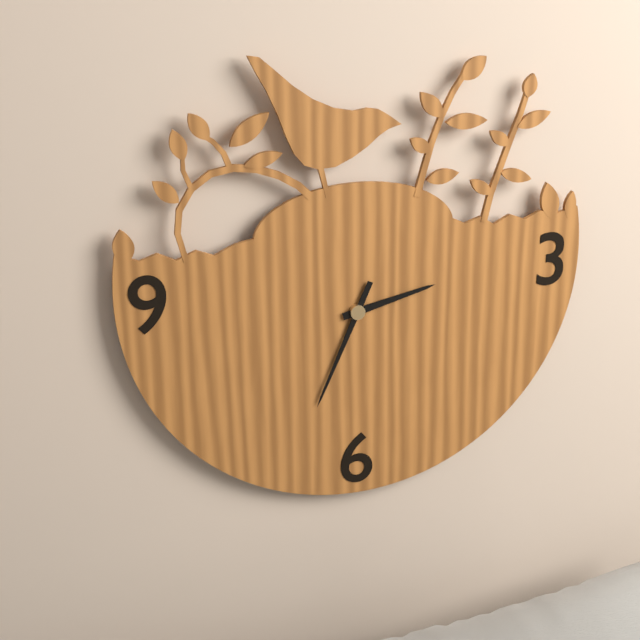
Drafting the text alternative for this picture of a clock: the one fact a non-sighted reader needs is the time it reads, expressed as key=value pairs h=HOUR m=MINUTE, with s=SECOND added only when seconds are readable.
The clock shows h=2 m=34
